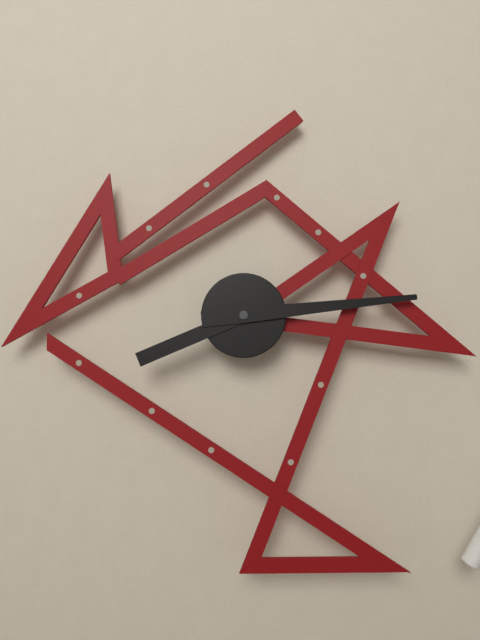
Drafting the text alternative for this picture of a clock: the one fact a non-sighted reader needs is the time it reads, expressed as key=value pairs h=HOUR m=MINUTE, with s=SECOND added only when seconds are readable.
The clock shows h=8 m=14
